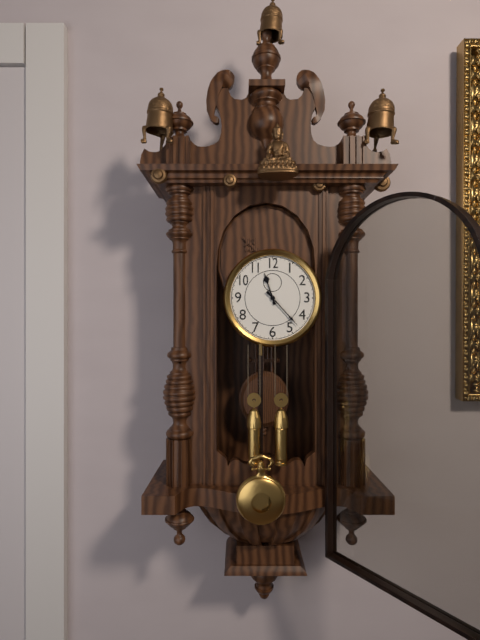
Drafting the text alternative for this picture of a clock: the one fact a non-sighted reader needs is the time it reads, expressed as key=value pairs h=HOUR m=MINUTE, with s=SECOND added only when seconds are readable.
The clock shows h=11 m=23
